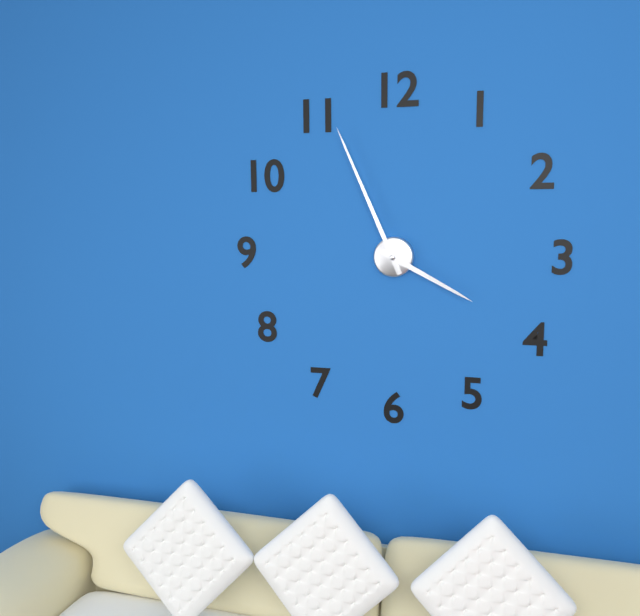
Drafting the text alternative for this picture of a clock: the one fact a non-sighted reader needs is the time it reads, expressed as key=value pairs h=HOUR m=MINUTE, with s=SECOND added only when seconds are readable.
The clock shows h=3 m=56
